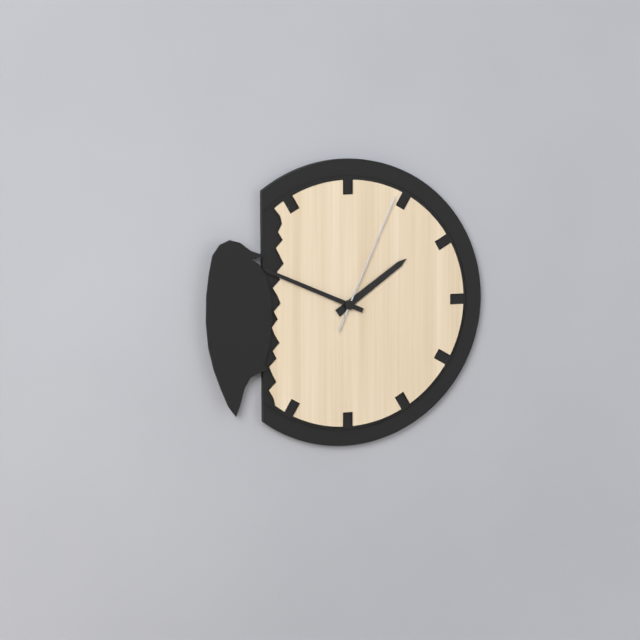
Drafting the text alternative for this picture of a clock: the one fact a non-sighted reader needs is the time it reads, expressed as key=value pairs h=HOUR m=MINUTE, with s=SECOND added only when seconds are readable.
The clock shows h=1 m=49 s=4
